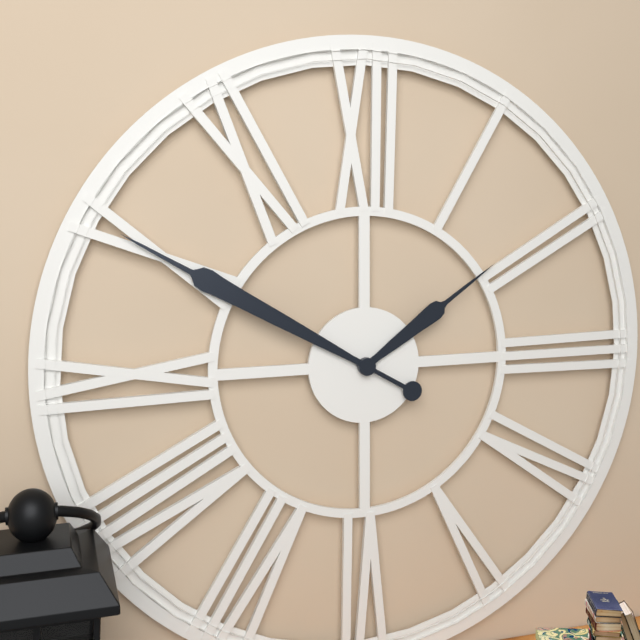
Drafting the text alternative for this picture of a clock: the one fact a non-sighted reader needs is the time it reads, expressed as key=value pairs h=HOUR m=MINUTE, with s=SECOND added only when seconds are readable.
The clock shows h=1 m=50
